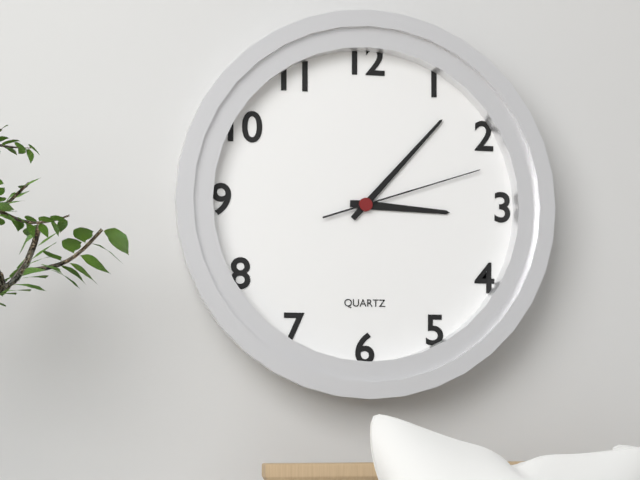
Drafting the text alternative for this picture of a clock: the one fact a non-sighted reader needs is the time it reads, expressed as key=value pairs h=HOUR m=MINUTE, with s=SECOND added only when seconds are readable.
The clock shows h=3 m=7 s=12
